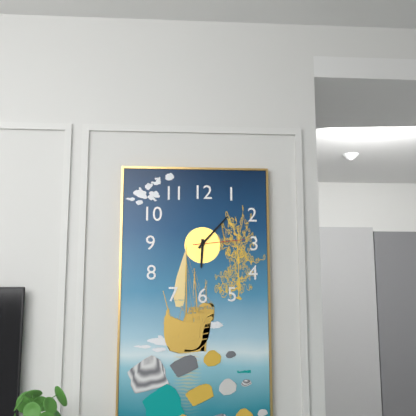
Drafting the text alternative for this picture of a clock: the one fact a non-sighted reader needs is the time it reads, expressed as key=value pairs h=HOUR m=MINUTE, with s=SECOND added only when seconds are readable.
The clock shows h=6 m=7 s=14
